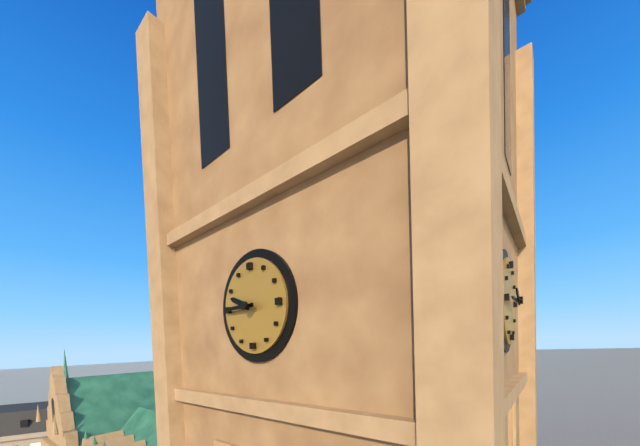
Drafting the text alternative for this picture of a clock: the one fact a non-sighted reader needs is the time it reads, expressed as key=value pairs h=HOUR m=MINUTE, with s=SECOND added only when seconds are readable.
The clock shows h=9 m=45
